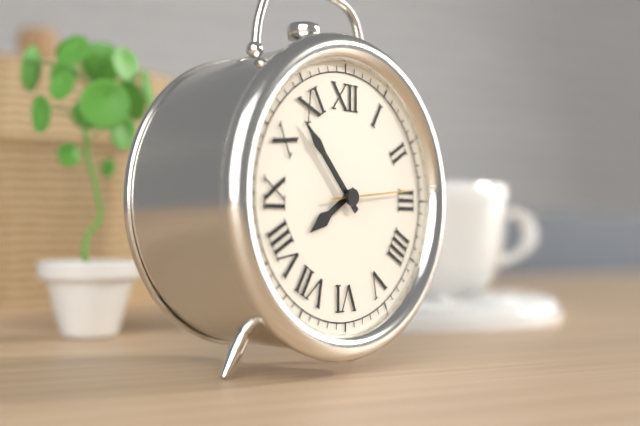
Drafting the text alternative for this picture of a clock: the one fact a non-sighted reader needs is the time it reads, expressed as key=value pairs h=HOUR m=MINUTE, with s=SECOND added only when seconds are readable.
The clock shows h=7 m=53 s=14
